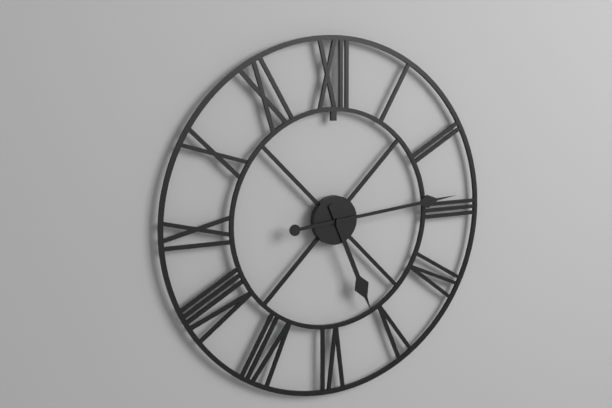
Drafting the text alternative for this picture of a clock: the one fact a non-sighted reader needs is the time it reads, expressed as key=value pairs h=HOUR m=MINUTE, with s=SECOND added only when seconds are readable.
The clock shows h=5 m=14
